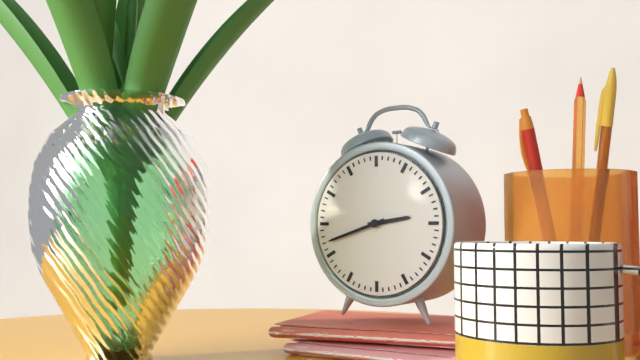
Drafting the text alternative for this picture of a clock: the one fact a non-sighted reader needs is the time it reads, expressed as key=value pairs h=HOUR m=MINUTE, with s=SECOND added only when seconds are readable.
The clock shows h=2 m=42
